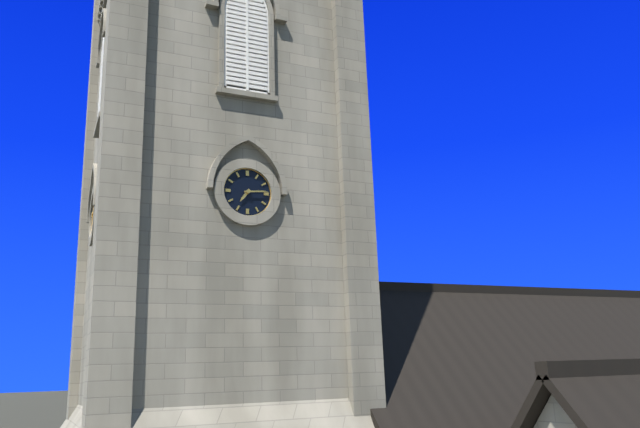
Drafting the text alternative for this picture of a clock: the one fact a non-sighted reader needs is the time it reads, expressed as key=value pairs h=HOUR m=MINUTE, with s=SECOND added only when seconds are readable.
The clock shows h=7 m=14
